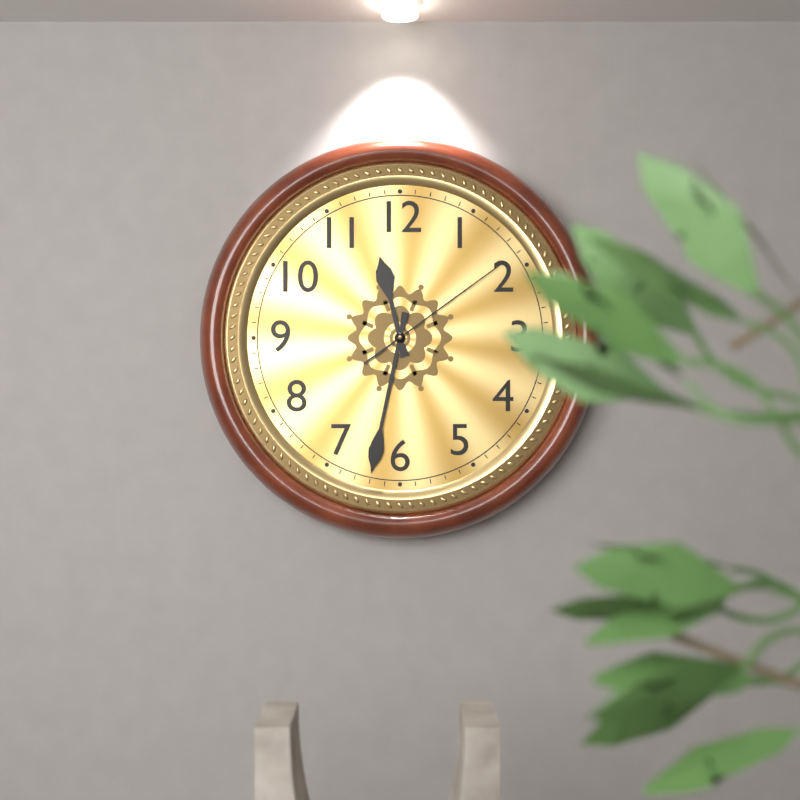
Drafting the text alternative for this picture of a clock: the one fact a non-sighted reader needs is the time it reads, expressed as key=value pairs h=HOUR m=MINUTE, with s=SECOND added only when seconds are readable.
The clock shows h=11 m=32 s=9
